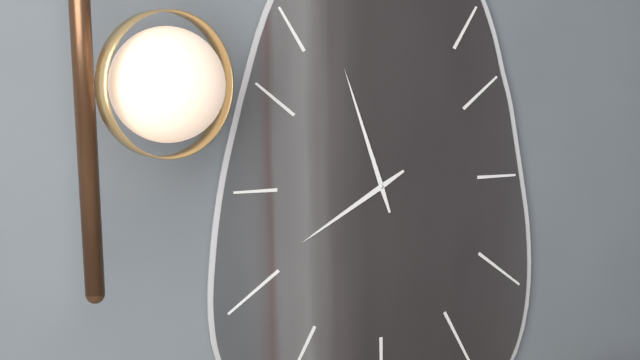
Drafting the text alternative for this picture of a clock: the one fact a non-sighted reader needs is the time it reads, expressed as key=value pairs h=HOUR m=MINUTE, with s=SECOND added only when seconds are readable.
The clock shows h=7 m=57
